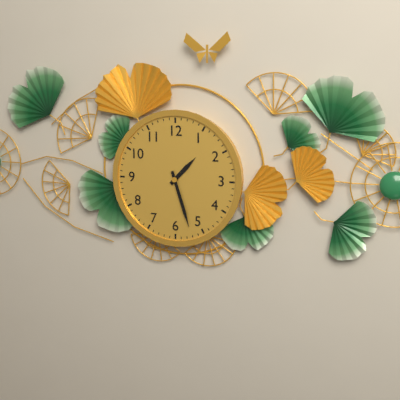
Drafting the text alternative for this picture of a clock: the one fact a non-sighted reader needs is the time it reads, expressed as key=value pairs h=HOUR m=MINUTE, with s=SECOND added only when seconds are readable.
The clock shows h=1 m=27
